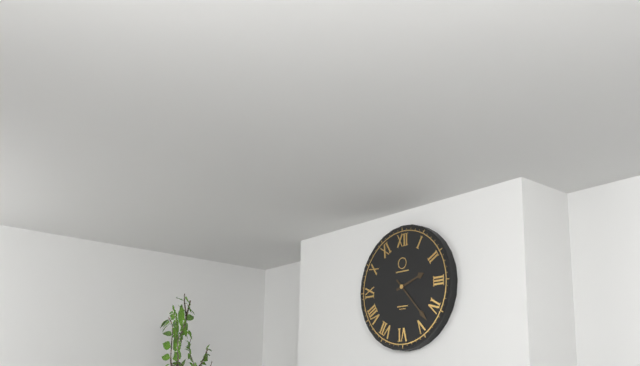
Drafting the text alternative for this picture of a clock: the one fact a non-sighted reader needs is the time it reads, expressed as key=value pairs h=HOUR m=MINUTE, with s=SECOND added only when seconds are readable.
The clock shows h=2 m=23
